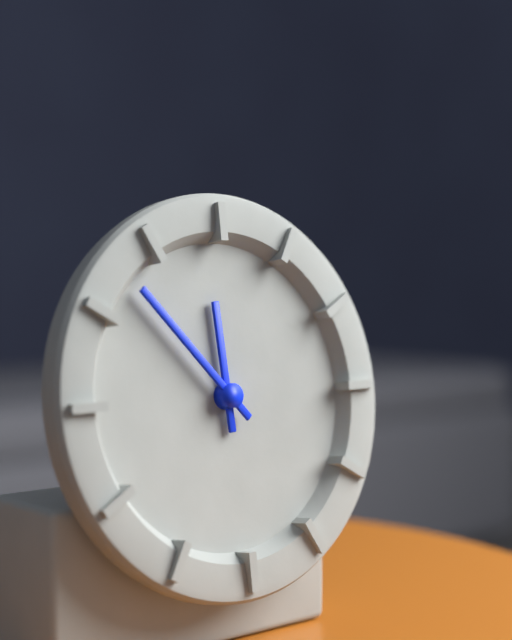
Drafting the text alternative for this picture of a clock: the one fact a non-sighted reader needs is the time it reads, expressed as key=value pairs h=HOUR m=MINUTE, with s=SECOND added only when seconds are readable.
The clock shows h=11 m=53
